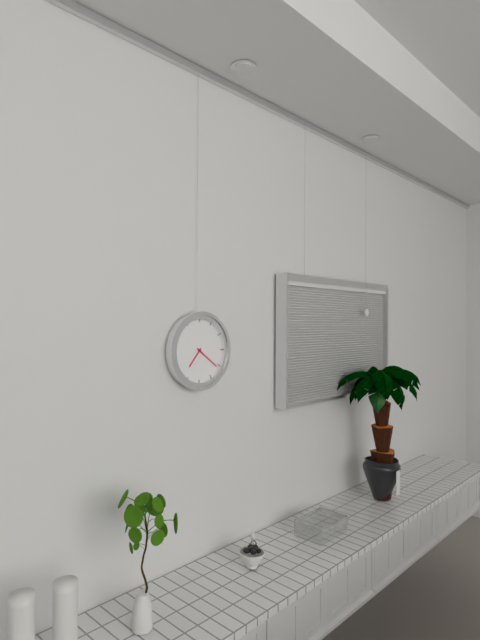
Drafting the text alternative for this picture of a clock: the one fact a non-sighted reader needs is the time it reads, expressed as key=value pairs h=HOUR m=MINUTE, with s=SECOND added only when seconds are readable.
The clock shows h=7 m=21
